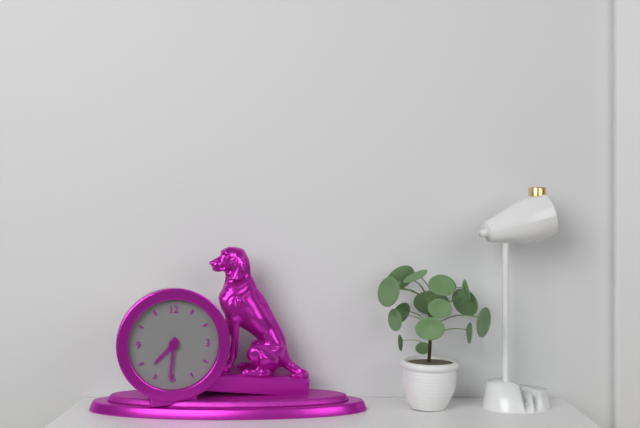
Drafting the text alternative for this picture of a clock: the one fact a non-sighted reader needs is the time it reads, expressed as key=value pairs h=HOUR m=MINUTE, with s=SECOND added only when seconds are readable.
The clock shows h=7 m=31
